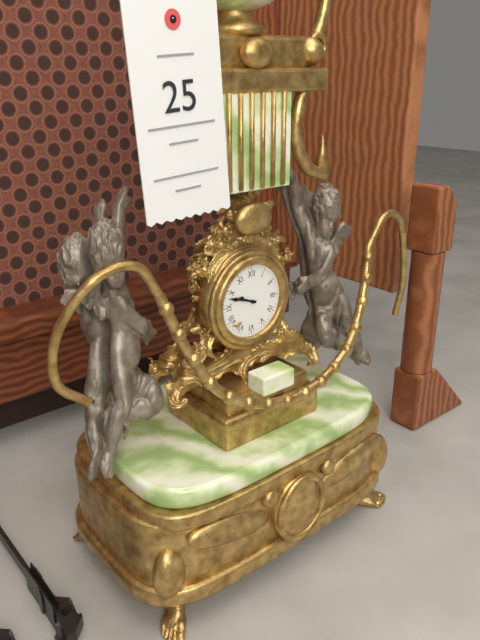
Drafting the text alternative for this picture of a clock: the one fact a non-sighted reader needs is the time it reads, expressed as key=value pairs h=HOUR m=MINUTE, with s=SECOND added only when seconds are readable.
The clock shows h=9 m=48
